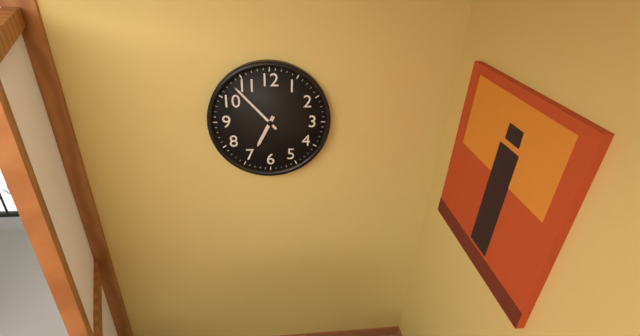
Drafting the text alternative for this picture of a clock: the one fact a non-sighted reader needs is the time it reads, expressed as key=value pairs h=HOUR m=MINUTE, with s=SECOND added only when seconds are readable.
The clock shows h=6 m=53
